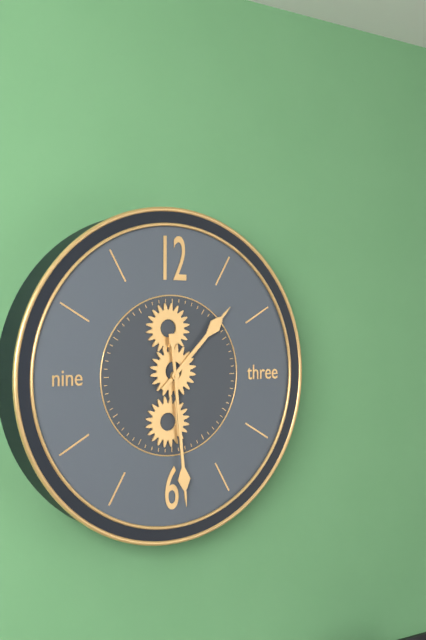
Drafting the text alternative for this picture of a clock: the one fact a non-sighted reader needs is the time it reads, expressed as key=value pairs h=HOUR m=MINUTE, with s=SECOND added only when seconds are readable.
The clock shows h=1 m=29
